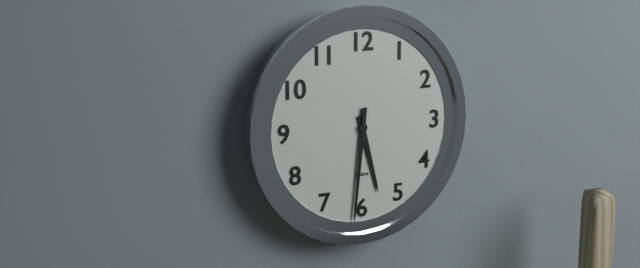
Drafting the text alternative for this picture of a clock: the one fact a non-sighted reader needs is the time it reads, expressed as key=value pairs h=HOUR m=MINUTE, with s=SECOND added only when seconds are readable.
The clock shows h=5 m=31
